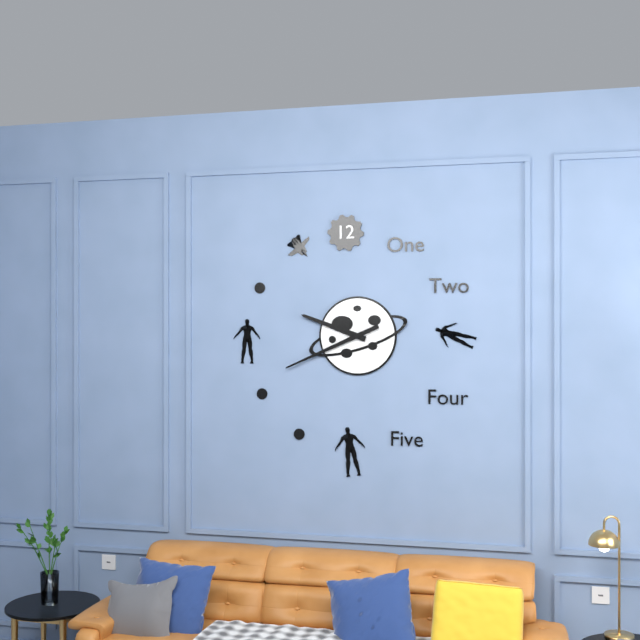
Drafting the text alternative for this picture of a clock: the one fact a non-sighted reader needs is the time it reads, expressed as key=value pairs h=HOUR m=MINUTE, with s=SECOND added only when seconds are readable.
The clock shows h=9 m=41
